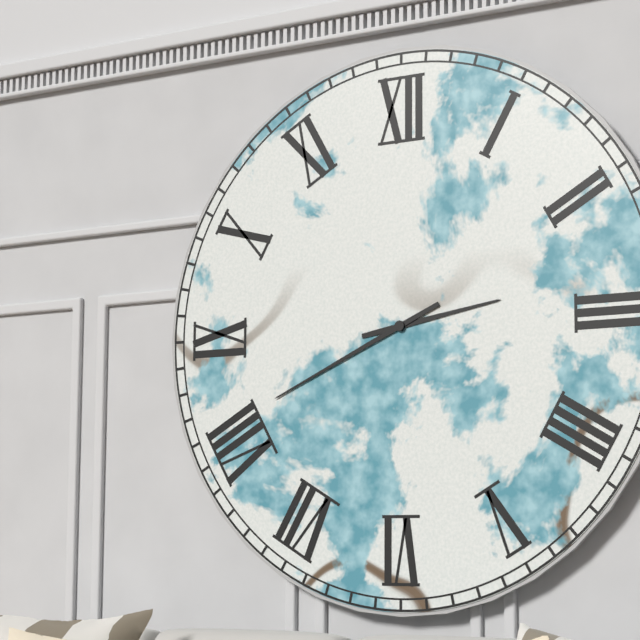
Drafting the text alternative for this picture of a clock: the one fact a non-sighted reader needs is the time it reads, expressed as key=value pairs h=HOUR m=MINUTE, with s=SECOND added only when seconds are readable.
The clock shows h=2 m=41
